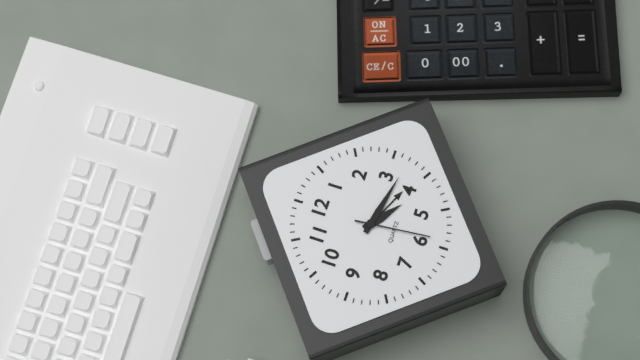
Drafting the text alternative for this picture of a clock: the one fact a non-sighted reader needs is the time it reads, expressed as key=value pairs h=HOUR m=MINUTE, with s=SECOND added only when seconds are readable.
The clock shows h=4 m=17 s=29
